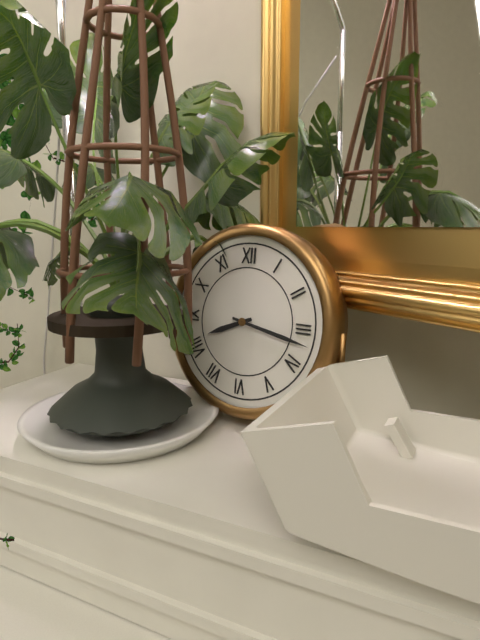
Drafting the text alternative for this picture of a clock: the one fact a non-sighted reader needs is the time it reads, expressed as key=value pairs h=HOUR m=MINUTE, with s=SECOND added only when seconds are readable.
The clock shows h=8 m=17
